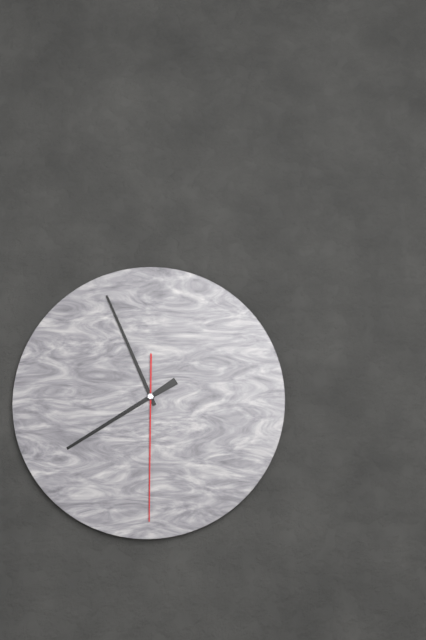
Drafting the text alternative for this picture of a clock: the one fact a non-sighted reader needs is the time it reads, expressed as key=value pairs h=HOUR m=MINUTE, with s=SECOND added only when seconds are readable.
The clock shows h=7 m=56 s=30
